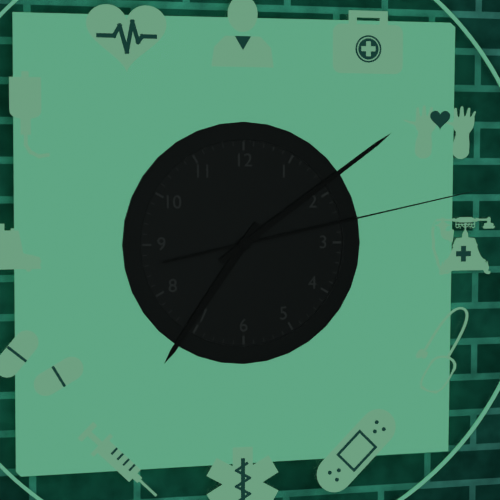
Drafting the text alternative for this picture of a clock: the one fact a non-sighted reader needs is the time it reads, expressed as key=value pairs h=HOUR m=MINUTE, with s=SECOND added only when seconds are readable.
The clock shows h=7 m=9 s=13
